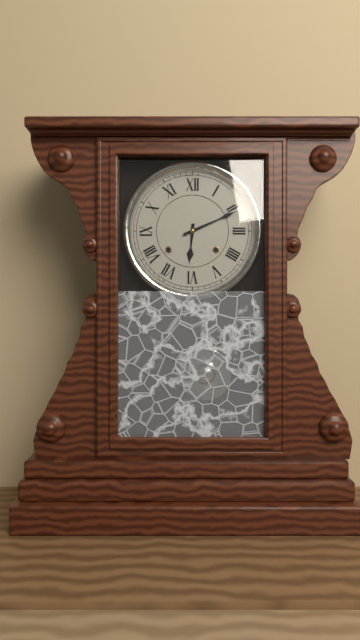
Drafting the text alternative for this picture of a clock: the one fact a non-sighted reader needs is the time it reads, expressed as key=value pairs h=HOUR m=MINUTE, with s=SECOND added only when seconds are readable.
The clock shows h=6 m=11
